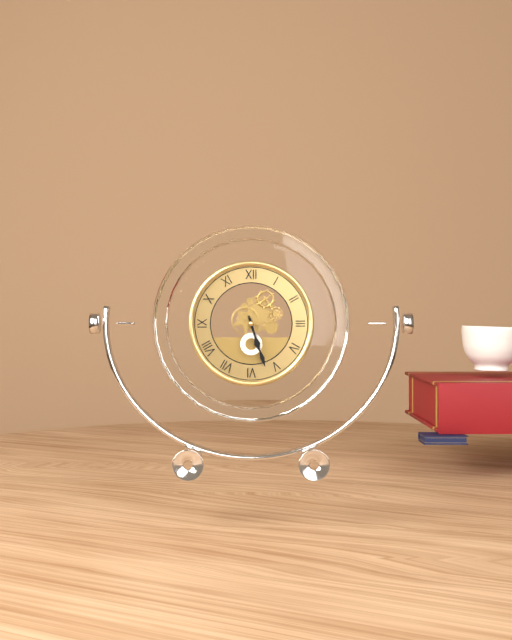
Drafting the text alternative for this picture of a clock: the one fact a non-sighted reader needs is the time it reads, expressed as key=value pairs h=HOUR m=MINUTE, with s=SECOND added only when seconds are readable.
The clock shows h=5 m=27
